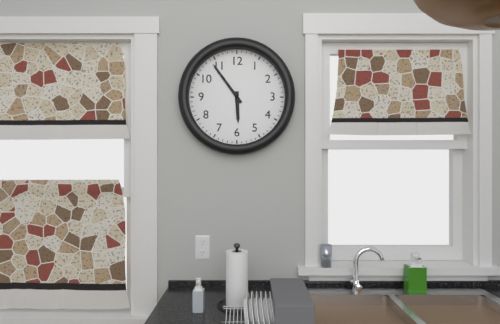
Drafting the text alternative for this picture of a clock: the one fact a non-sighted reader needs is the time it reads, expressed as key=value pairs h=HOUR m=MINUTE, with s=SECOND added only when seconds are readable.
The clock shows h=5 m=54
